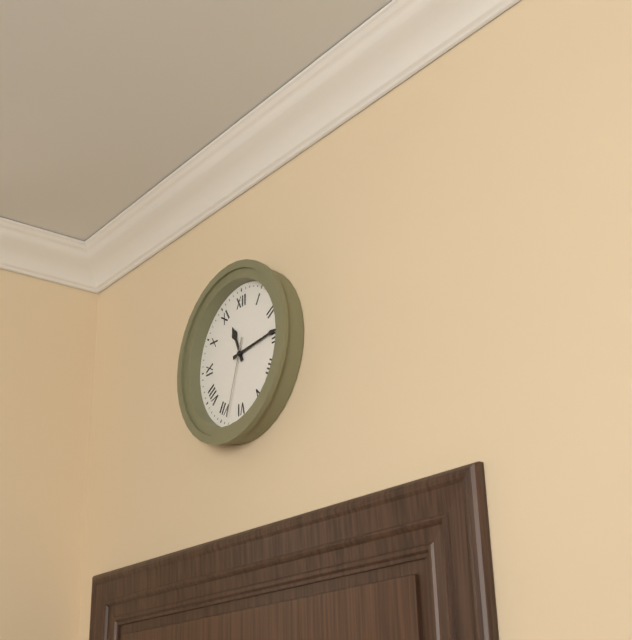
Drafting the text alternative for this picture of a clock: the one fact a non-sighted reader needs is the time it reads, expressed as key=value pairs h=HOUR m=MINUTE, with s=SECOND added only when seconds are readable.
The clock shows h=11 m=14 s=33
